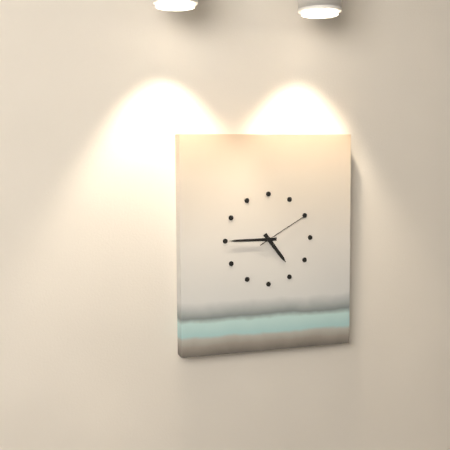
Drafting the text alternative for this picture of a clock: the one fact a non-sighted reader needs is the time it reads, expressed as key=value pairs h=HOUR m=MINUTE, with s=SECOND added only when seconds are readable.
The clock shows h=4 m=45 s=10
